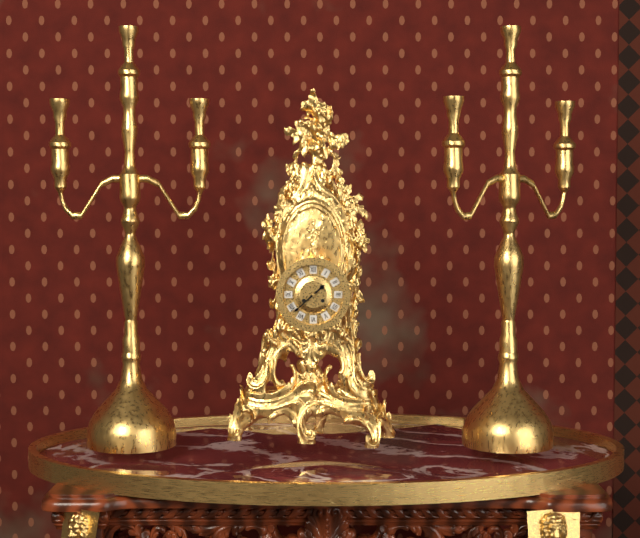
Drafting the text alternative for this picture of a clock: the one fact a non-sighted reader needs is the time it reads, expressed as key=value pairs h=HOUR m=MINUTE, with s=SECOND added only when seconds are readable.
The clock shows h=1 m=38
